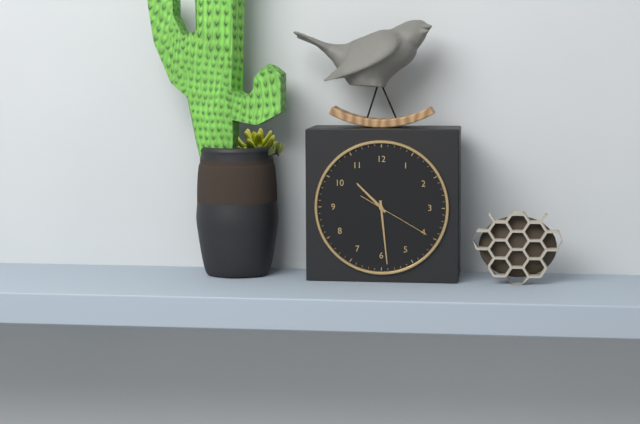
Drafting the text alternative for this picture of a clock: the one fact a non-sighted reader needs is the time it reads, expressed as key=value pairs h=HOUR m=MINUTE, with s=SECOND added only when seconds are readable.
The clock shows h=10 m=29 s=20
